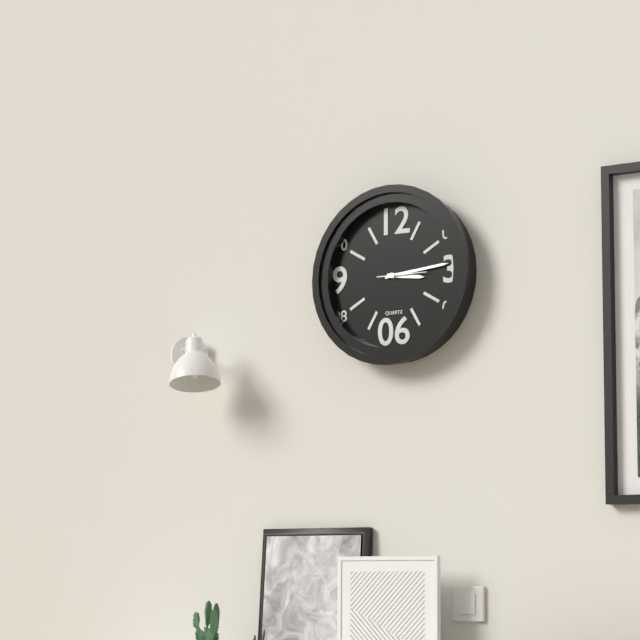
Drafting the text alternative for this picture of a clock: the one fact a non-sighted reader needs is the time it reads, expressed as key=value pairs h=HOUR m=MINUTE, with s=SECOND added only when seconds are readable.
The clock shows h=3 m=14
